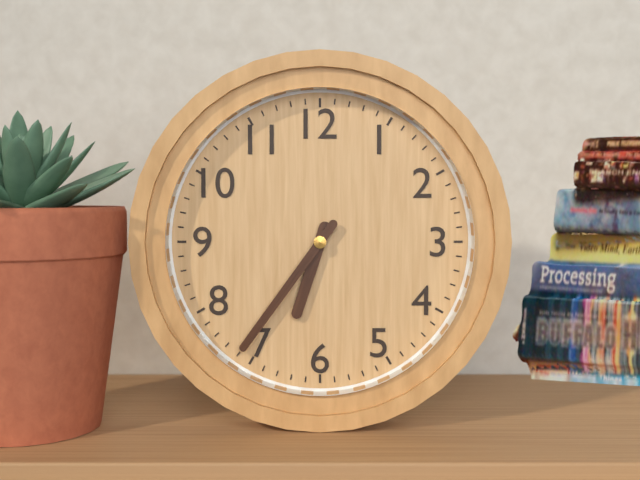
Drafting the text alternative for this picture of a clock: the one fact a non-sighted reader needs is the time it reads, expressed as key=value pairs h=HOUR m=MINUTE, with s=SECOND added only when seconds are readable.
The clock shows h=6 m=36
